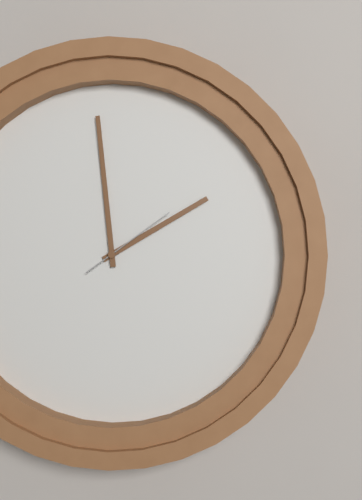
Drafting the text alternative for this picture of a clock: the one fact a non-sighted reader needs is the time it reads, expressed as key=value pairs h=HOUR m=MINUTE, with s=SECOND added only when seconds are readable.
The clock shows h=1 m=59 s=9
